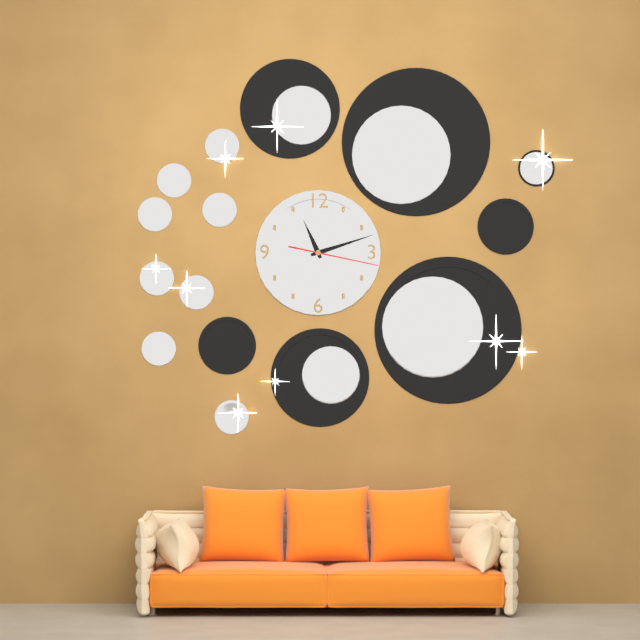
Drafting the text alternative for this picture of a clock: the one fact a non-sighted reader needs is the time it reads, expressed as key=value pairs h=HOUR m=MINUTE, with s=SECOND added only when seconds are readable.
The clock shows h=11 m=12 s=17
